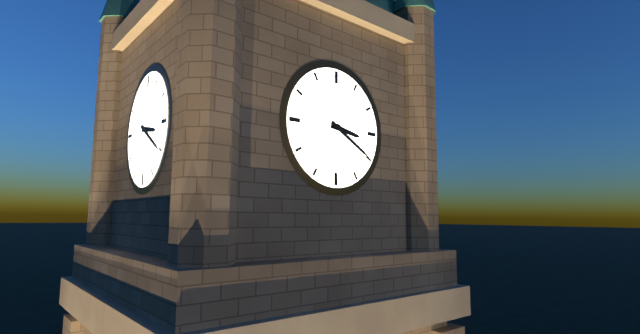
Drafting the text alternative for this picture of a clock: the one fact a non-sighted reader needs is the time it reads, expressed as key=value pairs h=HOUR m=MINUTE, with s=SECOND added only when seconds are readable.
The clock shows h=3 m=20
